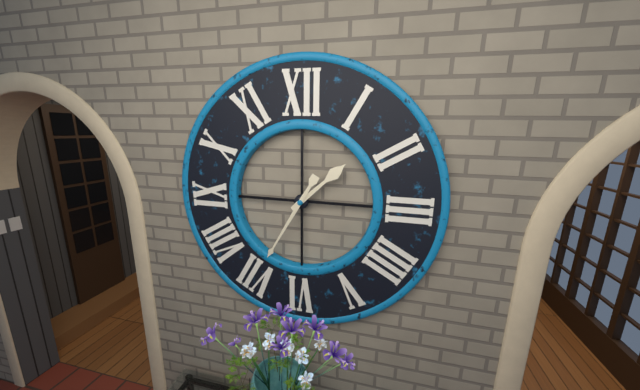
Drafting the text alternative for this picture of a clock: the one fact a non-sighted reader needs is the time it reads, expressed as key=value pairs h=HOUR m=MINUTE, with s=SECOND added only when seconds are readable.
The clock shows h=1 m=35
